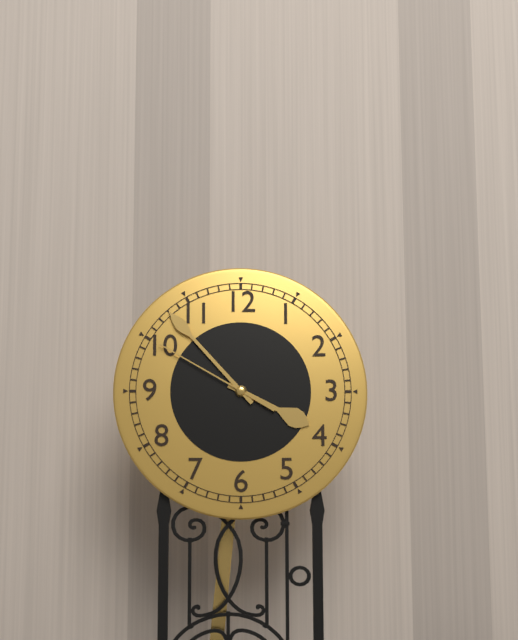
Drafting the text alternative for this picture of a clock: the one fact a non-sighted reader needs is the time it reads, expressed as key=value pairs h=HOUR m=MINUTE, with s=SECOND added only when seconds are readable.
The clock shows h=3 m=53 s=50
